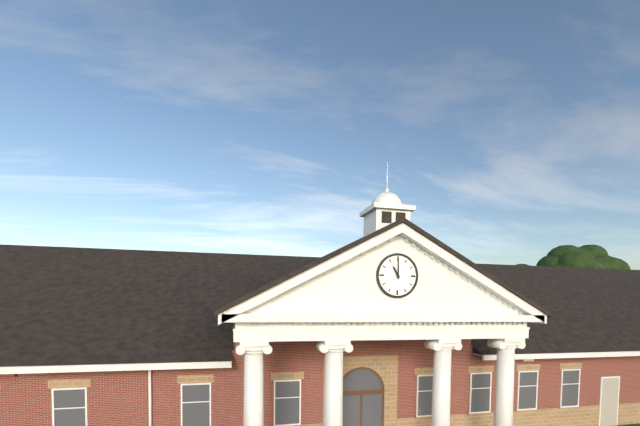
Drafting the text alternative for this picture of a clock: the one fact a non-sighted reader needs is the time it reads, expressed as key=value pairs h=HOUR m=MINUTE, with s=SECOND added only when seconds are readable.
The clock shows h=11 m=0
